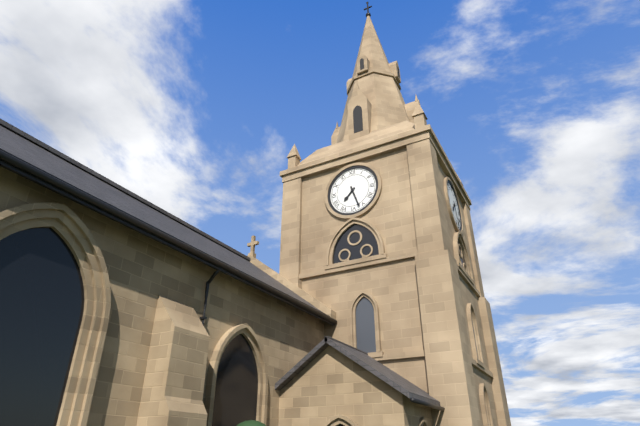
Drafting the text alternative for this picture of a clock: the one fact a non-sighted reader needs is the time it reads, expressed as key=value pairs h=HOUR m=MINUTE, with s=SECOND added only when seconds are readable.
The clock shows h=7 m=27
